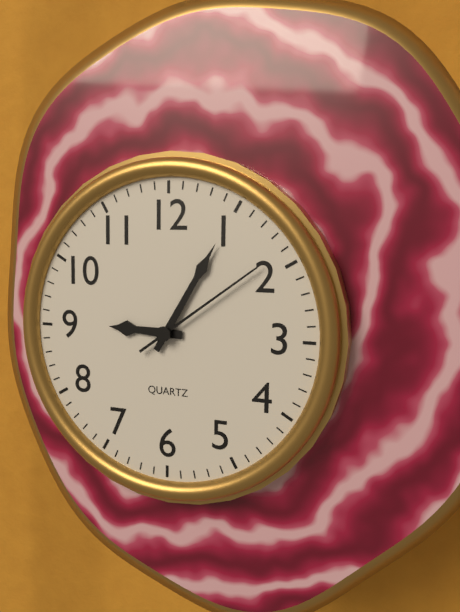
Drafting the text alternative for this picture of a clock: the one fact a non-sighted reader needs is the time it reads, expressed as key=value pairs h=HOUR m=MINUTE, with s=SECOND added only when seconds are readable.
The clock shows h=9 m=5 s=9
